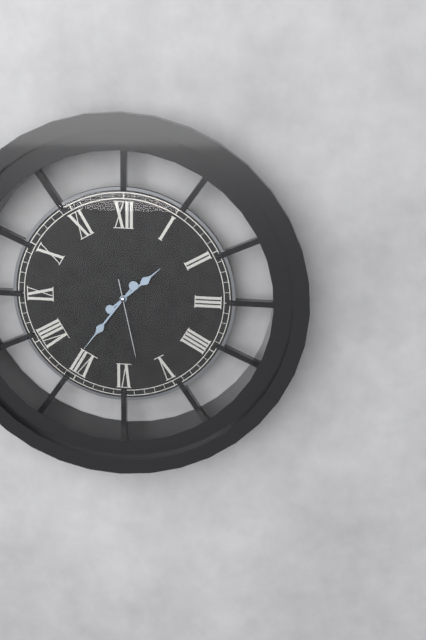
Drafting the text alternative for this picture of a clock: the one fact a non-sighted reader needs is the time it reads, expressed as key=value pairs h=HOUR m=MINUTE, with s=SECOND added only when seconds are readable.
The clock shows h=1 m=36 s=28
